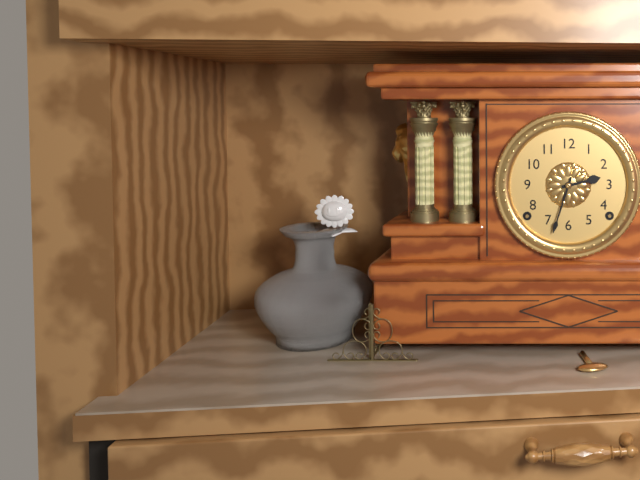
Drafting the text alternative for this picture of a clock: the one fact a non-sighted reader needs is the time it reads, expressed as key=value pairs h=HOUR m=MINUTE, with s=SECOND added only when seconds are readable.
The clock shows h=2 m=33
